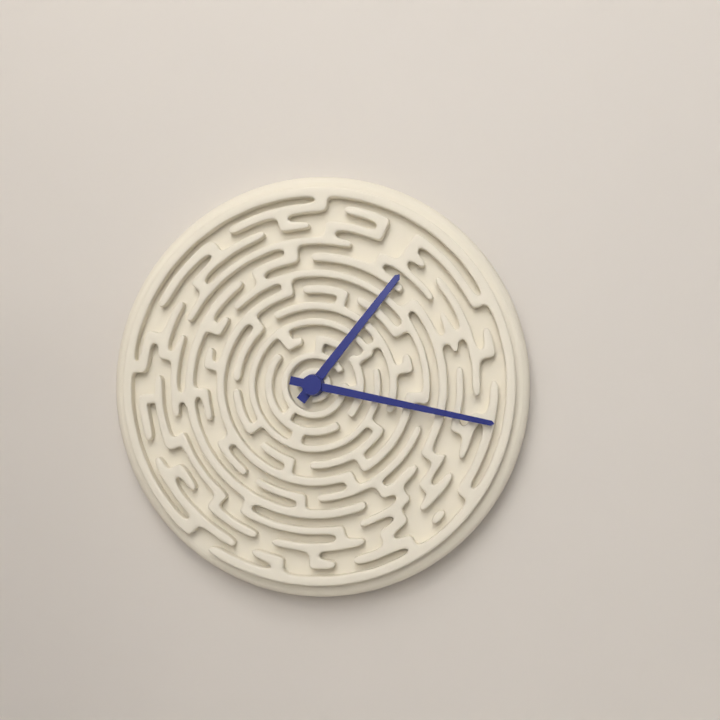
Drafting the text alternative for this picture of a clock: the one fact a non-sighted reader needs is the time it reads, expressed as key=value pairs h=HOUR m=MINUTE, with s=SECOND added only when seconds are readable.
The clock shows h=1 m=17
